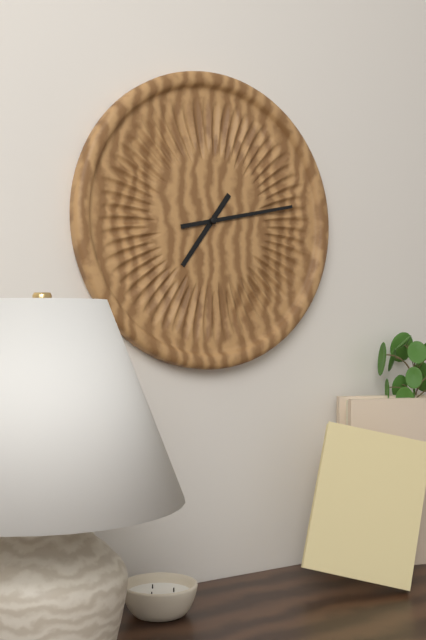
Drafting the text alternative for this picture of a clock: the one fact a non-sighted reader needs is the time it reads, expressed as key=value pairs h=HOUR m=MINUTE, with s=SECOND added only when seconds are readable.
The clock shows h=7 m=13
